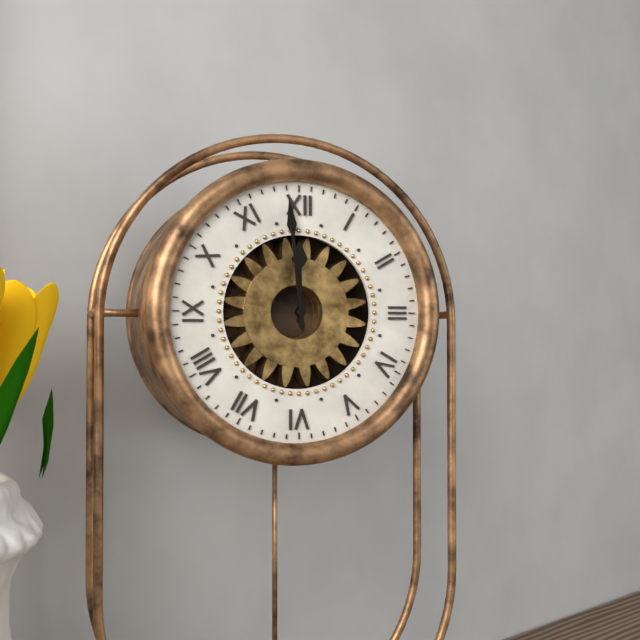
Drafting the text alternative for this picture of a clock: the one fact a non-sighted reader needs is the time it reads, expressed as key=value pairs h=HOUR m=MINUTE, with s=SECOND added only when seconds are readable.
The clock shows h=11 m=59
